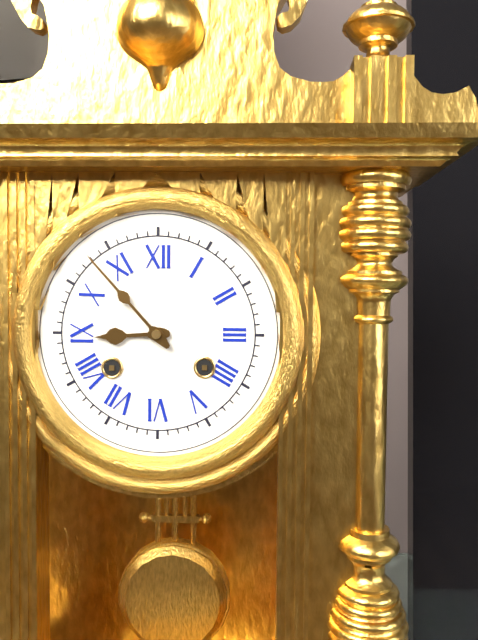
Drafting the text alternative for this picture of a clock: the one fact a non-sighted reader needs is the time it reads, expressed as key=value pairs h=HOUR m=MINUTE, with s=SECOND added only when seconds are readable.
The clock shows h=8 m=53
